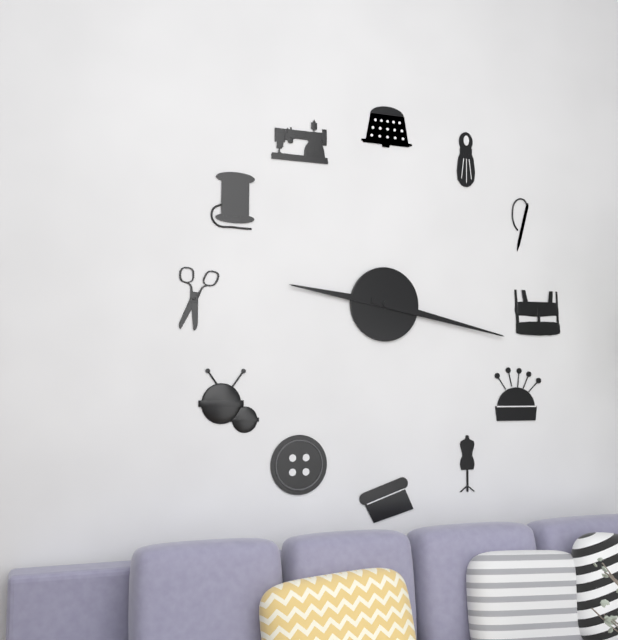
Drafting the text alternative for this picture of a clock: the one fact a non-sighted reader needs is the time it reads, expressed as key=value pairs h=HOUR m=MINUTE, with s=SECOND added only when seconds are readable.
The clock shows h=9 m=17
